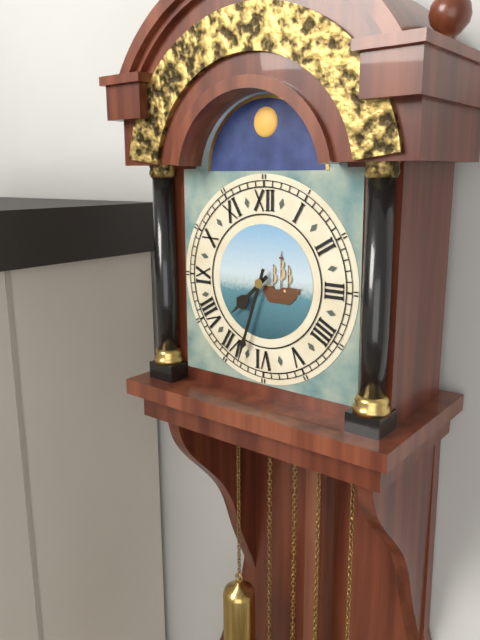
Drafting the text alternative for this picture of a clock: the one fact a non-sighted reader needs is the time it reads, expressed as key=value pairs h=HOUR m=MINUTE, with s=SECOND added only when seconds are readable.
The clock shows h=7 m=33
